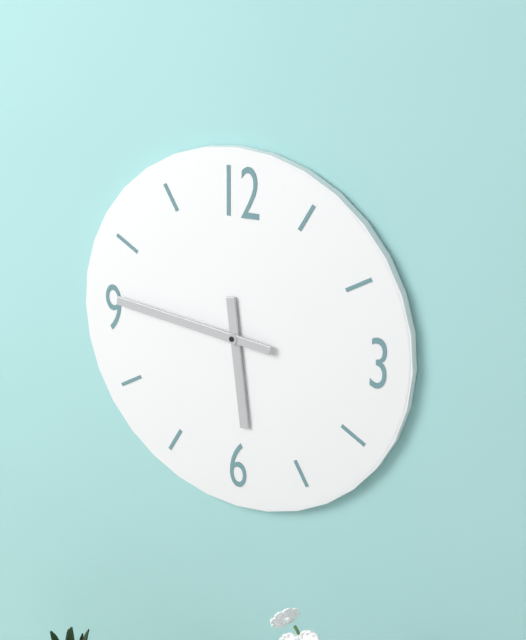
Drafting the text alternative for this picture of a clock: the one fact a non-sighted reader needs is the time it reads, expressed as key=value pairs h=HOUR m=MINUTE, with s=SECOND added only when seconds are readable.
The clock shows h=5 m=46
